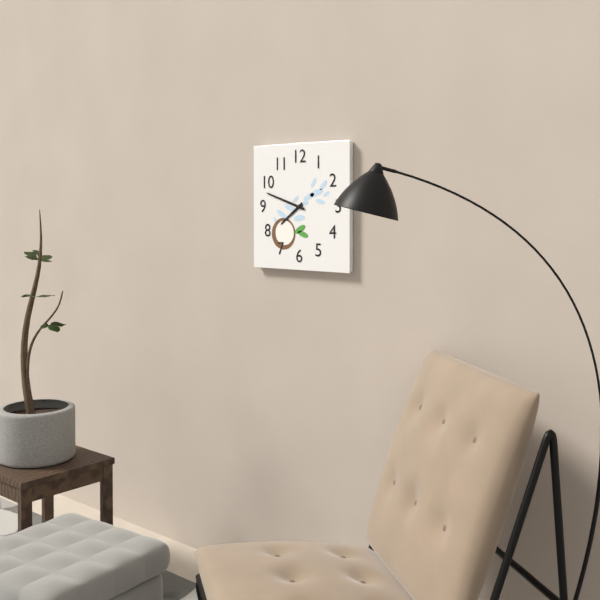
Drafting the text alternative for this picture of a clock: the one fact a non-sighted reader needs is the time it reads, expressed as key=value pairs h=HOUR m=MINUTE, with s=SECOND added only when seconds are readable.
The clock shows h=7 m=48
